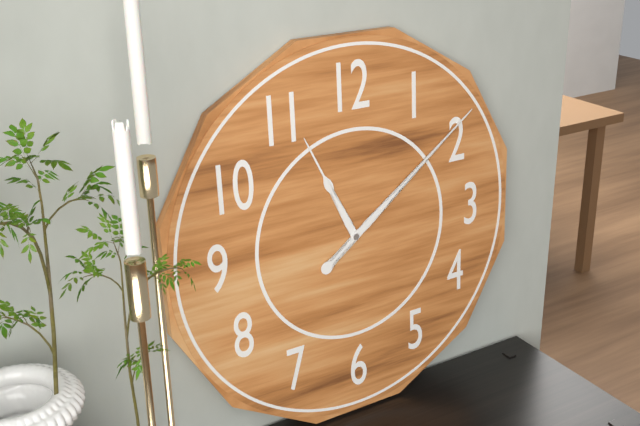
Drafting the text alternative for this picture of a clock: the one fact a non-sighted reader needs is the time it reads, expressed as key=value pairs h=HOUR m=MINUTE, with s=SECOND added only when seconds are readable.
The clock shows h=11 m=9
